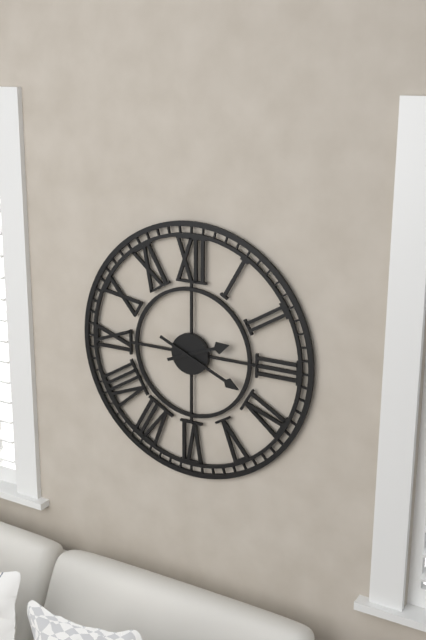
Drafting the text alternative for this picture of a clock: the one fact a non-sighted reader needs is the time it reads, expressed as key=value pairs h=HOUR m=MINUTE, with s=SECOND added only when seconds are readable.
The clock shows h=2 m=19
